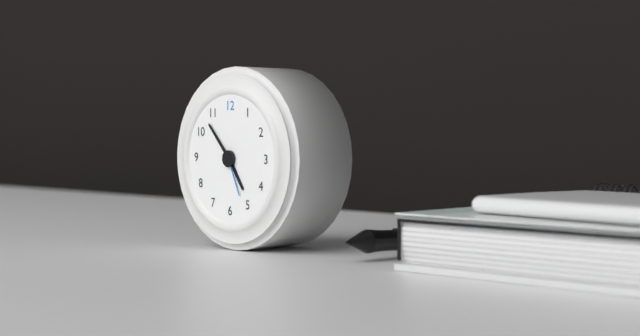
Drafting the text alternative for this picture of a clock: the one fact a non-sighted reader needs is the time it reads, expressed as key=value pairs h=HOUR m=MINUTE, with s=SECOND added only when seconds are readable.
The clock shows h=4 m=53
